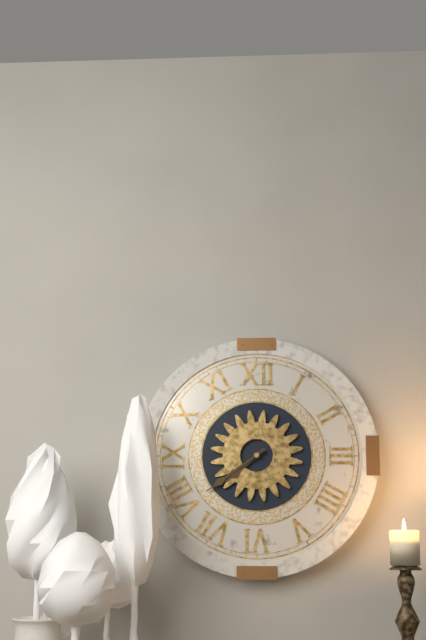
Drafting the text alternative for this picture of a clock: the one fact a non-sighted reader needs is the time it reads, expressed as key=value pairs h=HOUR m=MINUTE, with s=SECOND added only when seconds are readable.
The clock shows h=7 m=39
